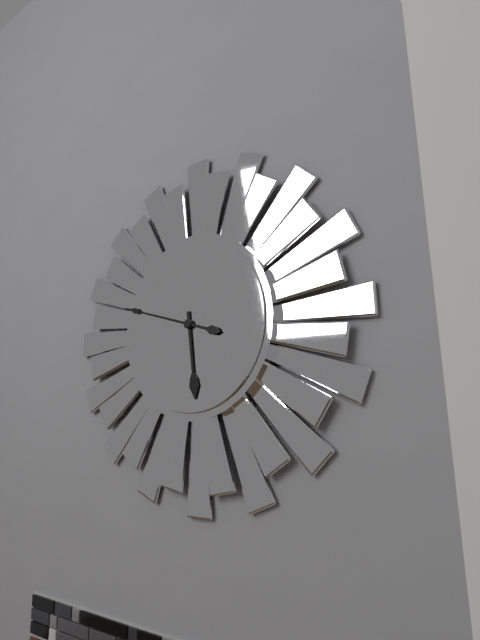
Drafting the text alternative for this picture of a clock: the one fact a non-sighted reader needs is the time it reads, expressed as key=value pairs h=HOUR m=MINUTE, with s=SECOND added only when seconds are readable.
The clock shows h=5 m=48
